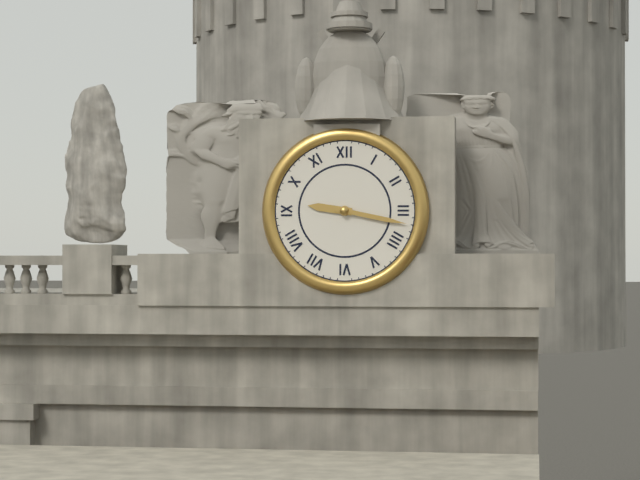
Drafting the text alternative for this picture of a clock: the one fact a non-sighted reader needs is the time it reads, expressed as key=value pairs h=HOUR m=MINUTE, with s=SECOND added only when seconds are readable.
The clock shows h=9 m=17
